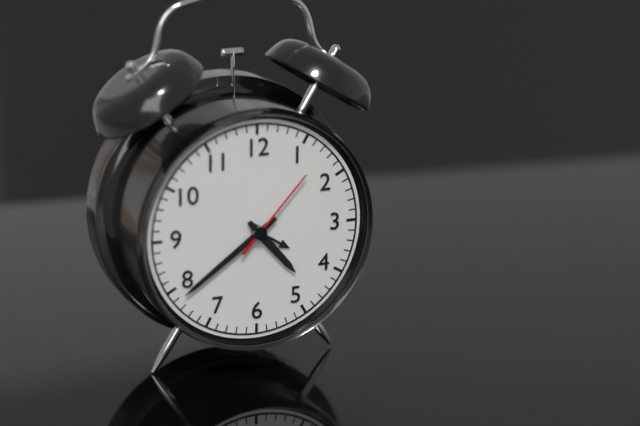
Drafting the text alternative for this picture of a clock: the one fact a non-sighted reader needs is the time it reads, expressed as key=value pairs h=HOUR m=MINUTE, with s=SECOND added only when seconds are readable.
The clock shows h=4 m=39 s=7
